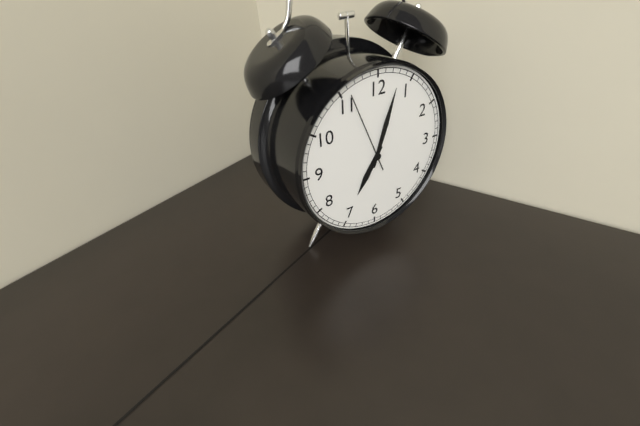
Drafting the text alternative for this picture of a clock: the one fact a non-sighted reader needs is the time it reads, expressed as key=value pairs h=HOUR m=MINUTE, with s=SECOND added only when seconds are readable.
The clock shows h=7 m=3 s=56
